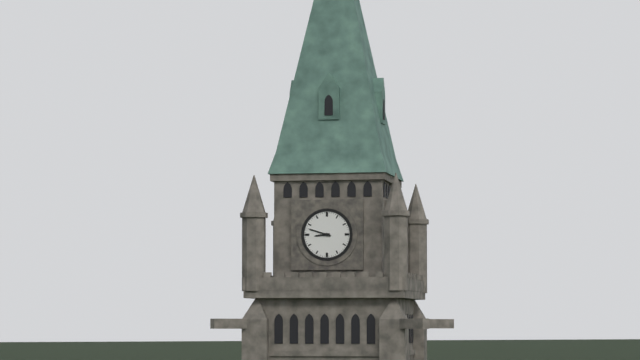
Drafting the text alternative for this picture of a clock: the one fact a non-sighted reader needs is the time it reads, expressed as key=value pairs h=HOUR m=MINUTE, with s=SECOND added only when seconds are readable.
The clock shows h=8 m=48
